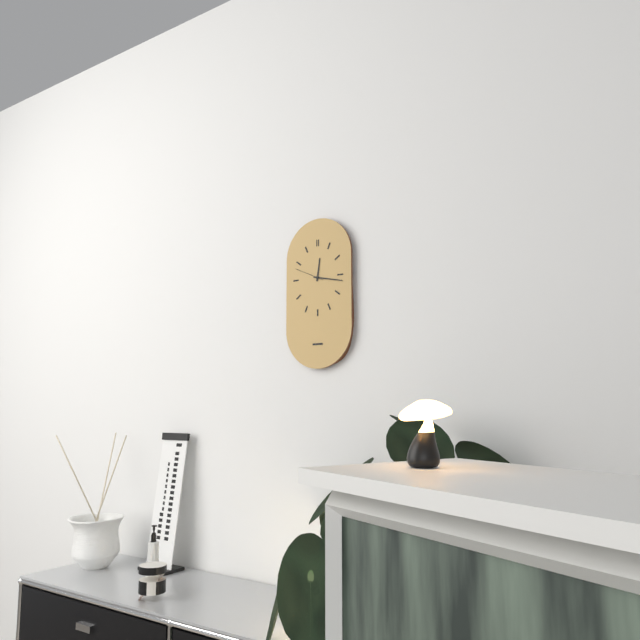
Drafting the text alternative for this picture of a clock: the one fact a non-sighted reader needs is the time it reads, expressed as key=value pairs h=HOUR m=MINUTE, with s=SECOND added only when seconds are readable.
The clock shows h=12 m=17
